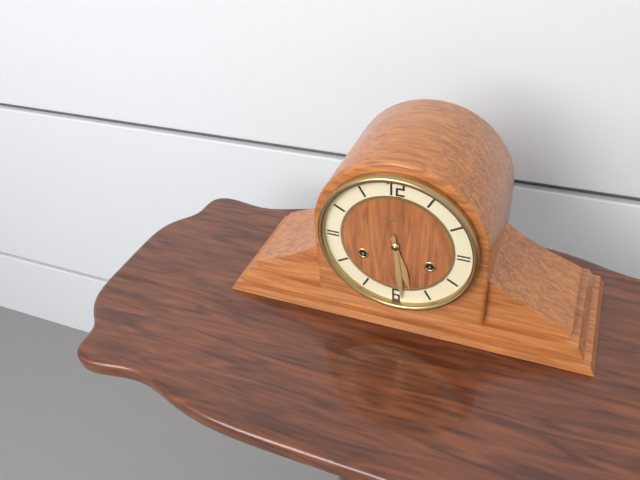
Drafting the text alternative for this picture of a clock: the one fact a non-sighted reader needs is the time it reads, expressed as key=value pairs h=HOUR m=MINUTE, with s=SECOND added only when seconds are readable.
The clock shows h=5 m=29
